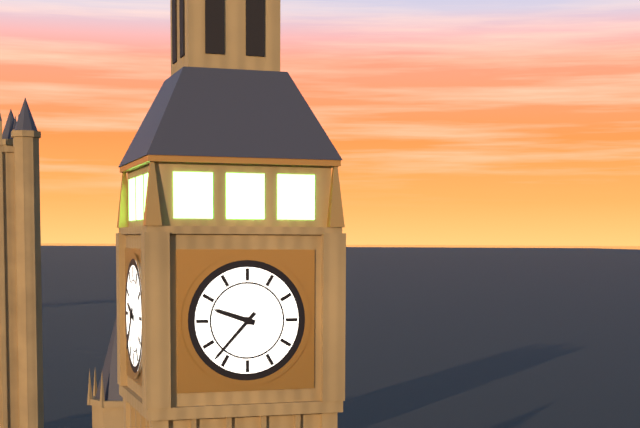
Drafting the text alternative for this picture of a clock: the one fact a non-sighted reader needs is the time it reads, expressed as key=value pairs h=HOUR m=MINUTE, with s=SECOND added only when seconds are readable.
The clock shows h=9 m=37
